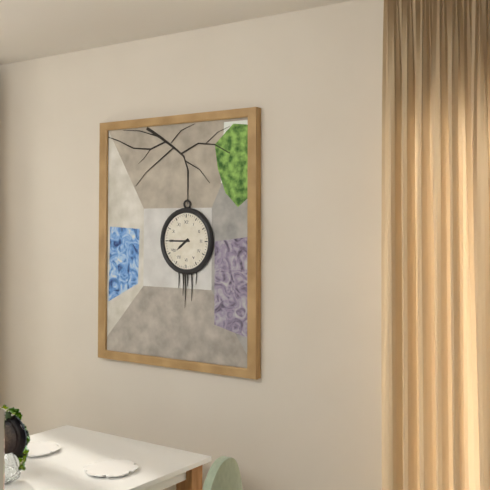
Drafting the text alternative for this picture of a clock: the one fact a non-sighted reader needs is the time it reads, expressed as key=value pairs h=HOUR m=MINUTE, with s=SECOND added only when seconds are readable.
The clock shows h=7 m=45
